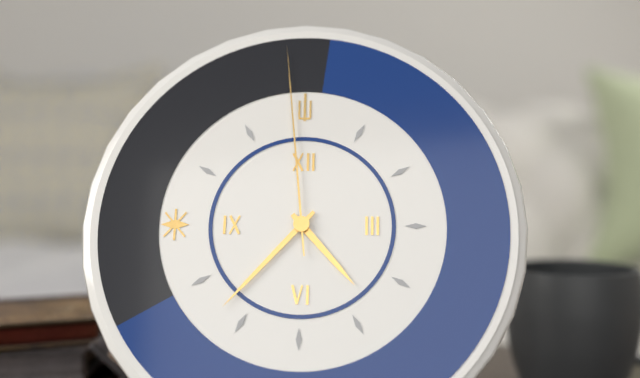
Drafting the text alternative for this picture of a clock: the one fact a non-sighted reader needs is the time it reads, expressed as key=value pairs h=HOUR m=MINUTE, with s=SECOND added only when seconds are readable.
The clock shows h=4 m=37 s=59
